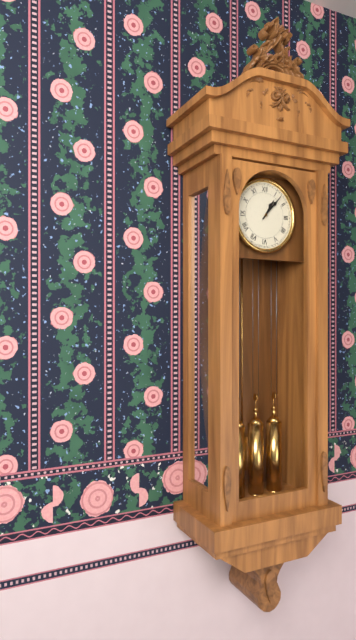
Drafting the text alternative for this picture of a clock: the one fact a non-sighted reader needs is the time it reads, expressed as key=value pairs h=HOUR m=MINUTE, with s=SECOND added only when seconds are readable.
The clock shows h=1 m=7
